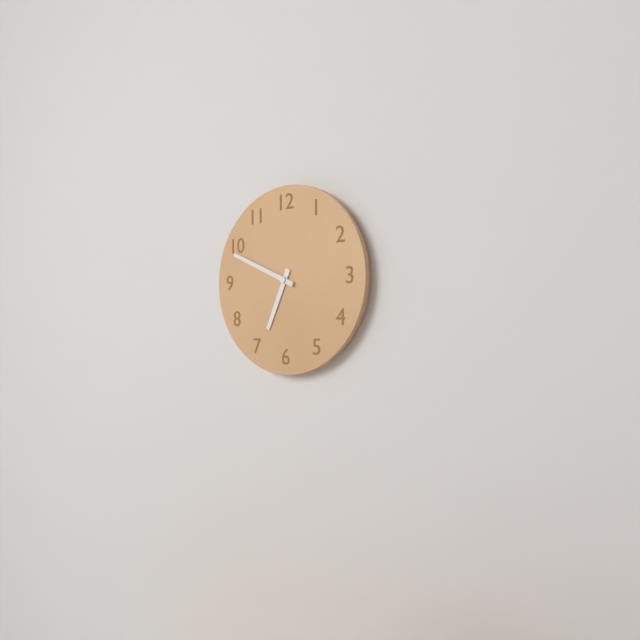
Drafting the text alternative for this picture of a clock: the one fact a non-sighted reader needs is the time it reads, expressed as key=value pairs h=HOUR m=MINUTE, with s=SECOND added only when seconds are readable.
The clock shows h=6 m=49
